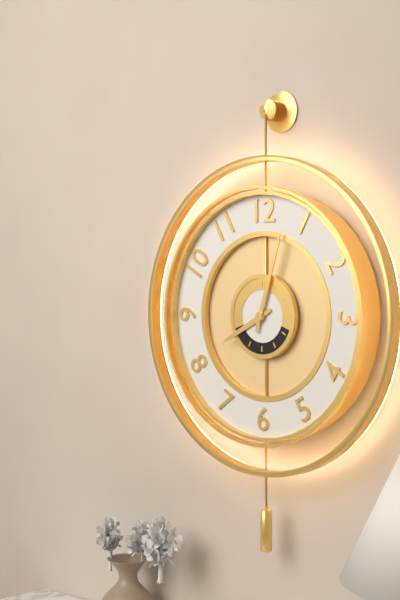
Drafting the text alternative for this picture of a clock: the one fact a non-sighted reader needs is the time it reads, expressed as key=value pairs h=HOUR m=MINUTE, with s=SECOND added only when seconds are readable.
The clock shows h=8 m=3
